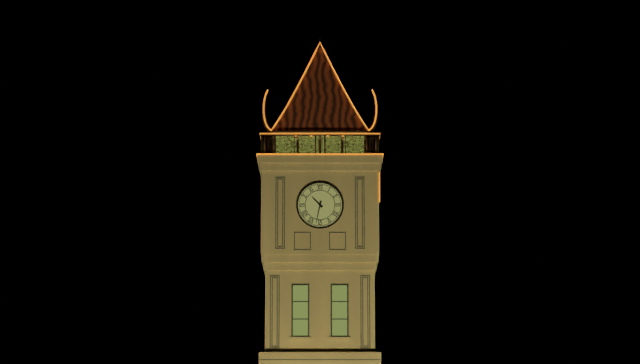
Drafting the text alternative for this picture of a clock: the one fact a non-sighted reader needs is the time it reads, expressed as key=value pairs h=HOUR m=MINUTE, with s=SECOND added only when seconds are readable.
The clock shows h=10 m=32
